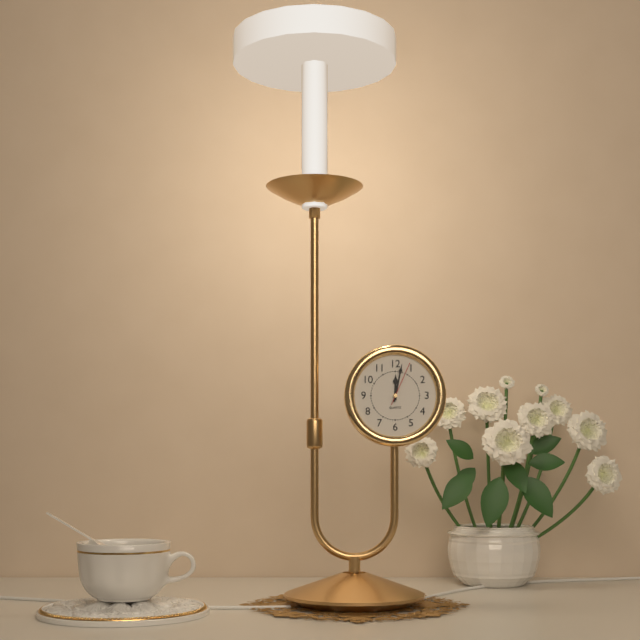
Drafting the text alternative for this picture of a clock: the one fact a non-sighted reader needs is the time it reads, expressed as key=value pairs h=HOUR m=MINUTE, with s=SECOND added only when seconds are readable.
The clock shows h=12 m=2
